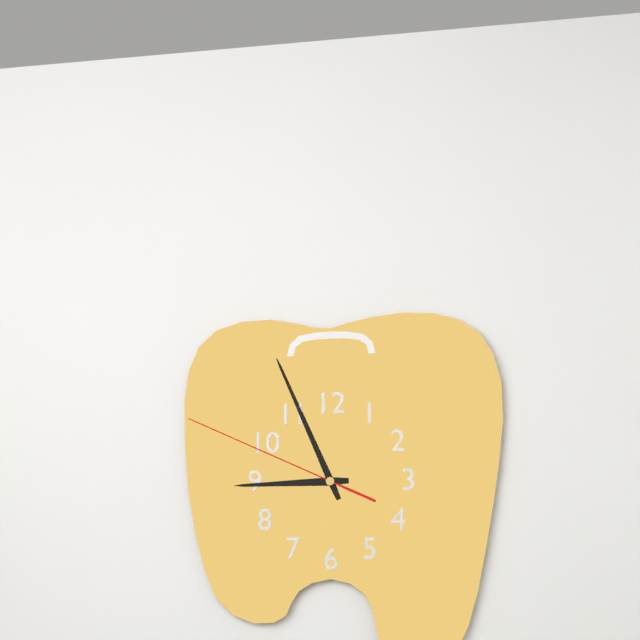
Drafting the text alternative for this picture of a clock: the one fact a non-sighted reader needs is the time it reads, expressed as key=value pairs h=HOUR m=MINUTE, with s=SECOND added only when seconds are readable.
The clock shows h=8 m=56 s=49
